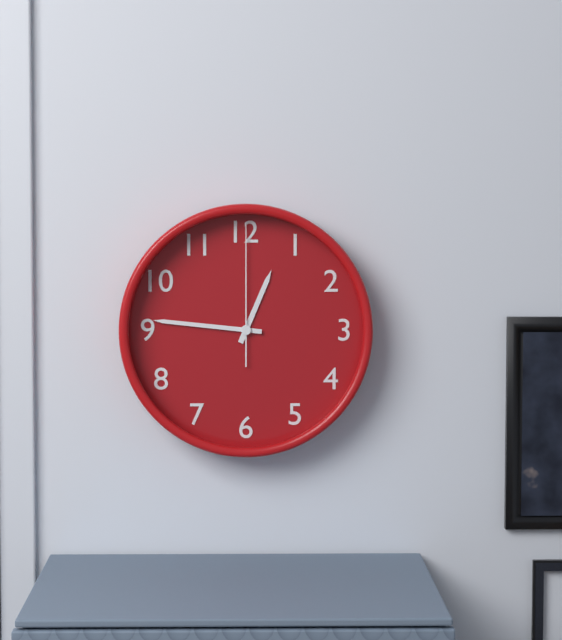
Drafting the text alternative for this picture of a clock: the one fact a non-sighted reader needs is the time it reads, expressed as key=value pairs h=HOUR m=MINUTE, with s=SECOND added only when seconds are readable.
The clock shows h=12 m=46 s=0
